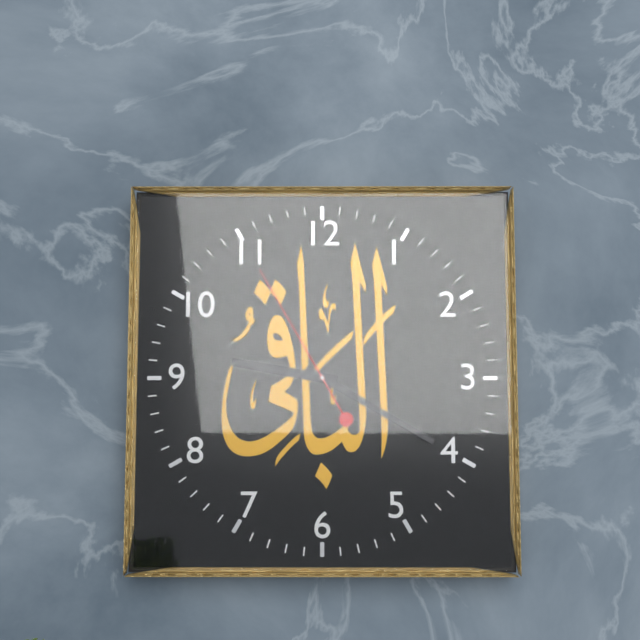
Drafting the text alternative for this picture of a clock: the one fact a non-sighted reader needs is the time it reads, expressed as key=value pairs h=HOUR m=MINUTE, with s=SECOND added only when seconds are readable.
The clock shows h=9 m=20 s=55
